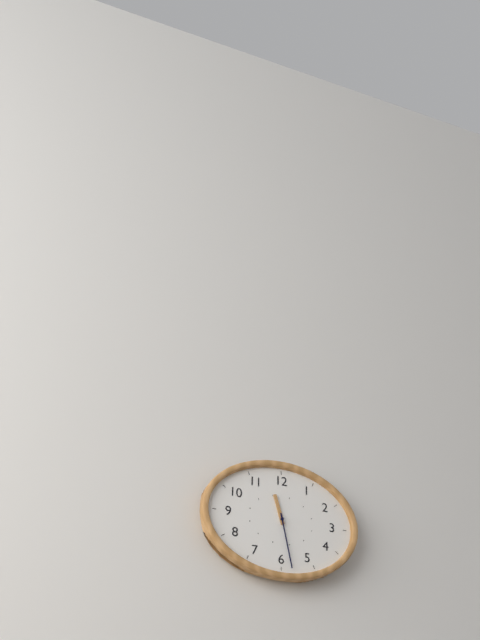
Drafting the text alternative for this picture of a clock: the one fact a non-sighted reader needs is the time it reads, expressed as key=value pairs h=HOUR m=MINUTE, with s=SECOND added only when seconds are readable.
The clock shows h=11 m=28
